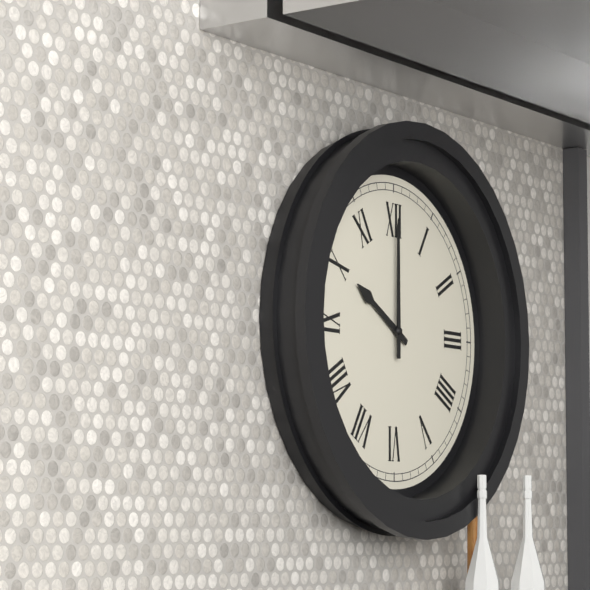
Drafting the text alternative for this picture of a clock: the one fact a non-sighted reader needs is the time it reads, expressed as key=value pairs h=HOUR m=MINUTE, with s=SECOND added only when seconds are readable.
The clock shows h=10 m=0
